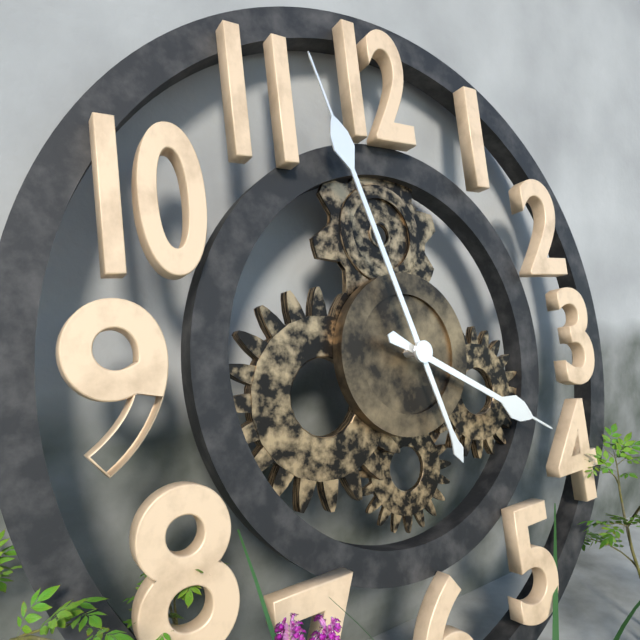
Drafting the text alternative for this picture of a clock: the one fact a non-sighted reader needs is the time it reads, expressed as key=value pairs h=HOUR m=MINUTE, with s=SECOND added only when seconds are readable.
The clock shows h=3 m=57
